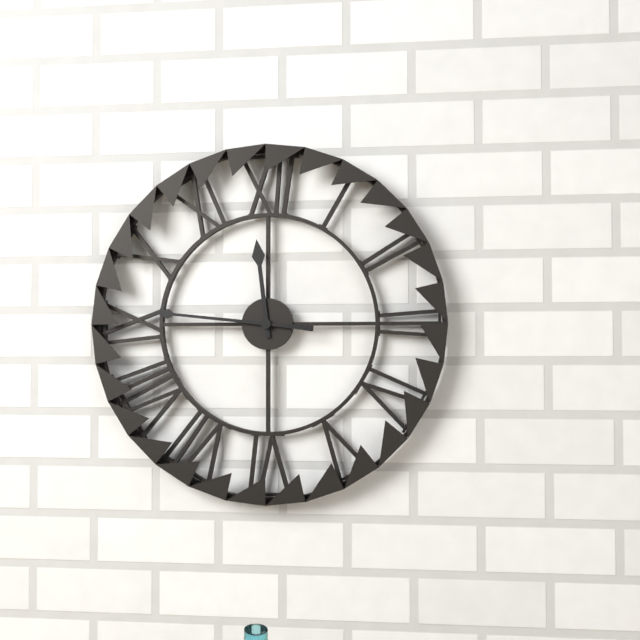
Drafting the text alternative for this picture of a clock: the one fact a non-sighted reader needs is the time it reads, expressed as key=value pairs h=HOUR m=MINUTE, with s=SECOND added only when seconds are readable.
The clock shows h=11 m=46
